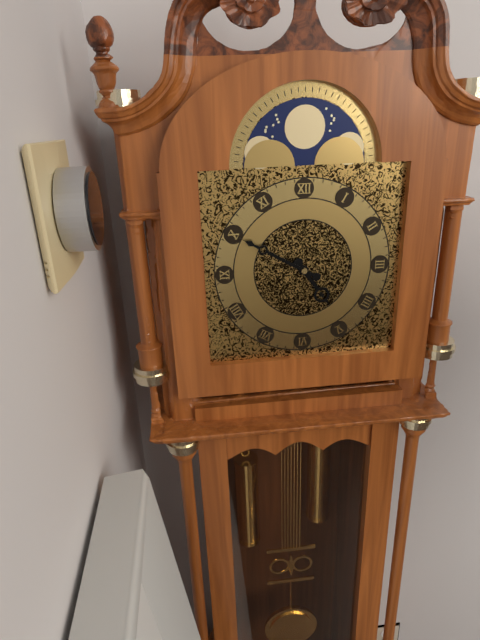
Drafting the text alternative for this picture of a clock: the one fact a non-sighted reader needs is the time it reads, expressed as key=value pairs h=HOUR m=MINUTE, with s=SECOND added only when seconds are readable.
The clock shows h=4 m=50
